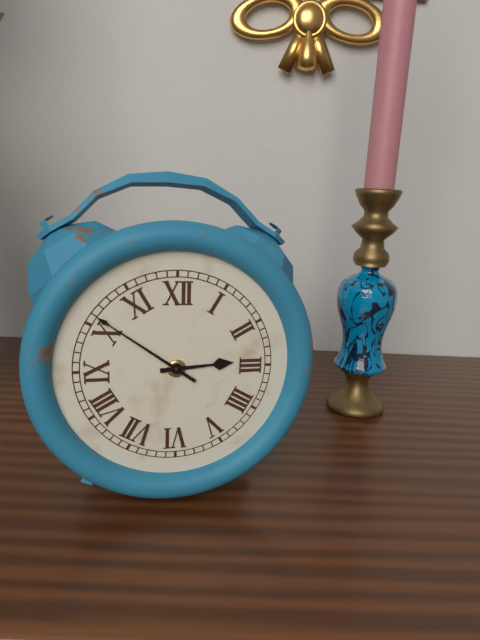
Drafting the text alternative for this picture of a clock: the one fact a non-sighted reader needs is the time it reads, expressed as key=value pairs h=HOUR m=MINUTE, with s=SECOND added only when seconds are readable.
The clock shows h=2 m=51
